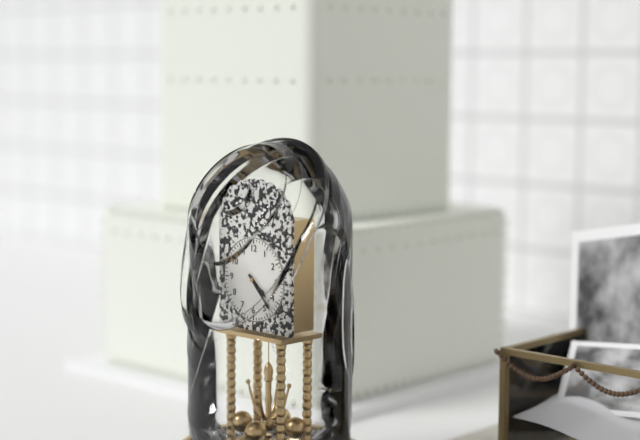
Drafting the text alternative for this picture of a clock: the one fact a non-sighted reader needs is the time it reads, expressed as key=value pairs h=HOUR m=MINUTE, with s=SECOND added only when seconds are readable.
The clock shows h=4 m=23
